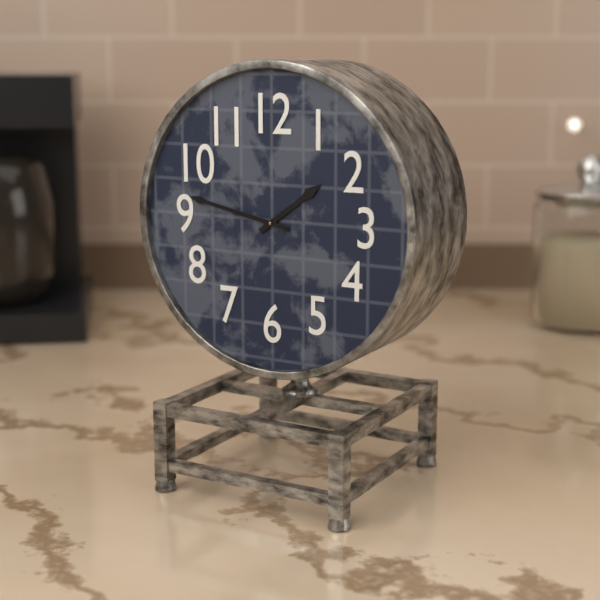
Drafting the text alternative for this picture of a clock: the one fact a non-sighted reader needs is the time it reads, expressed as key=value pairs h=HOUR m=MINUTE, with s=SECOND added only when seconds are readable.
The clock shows h=1 m=47
